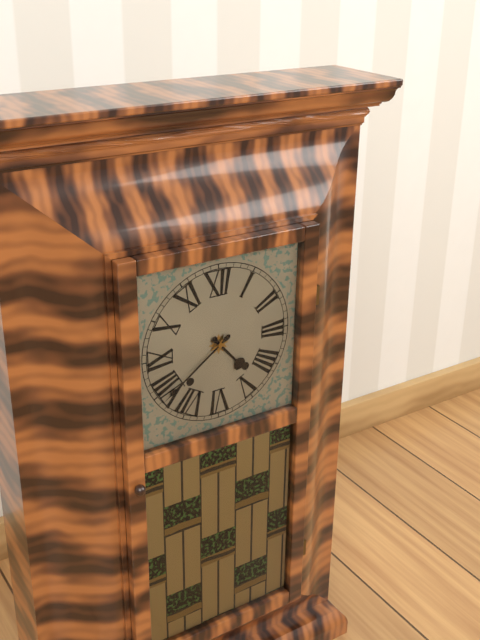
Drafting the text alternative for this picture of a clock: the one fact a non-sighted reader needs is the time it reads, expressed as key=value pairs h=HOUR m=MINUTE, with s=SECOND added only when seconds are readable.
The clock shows h=4 m=39
